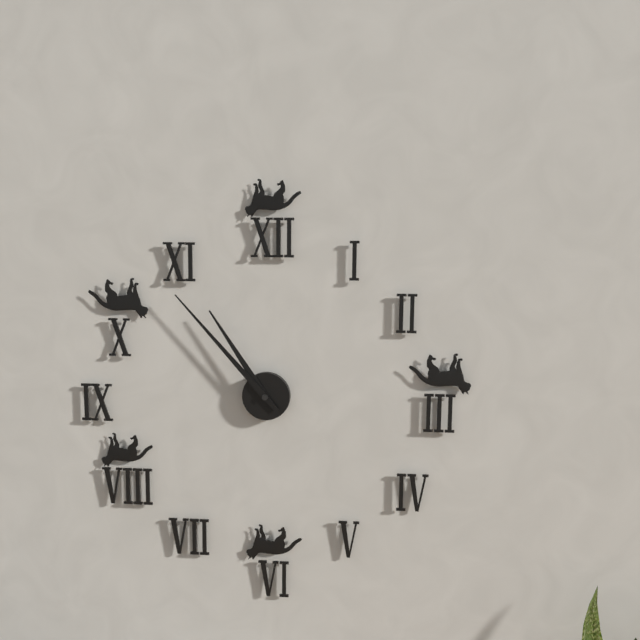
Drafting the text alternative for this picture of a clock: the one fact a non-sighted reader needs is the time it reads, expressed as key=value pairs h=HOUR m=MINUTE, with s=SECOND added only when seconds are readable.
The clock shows h=10 m=53
